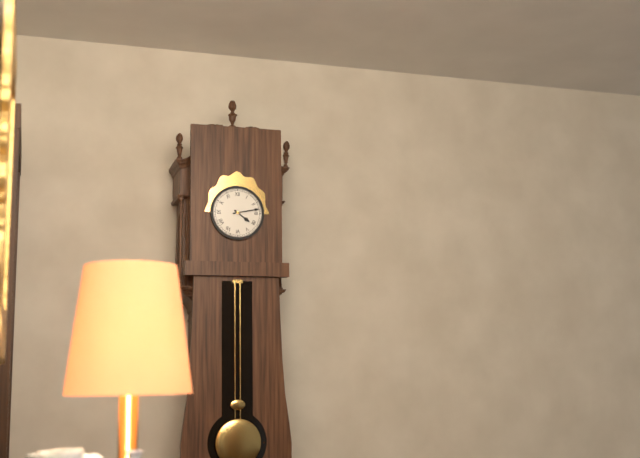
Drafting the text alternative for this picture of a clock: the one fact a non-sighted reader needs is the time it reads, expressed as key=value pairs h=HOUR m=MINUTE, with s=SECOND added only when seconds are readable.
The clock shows h=4 m=13
